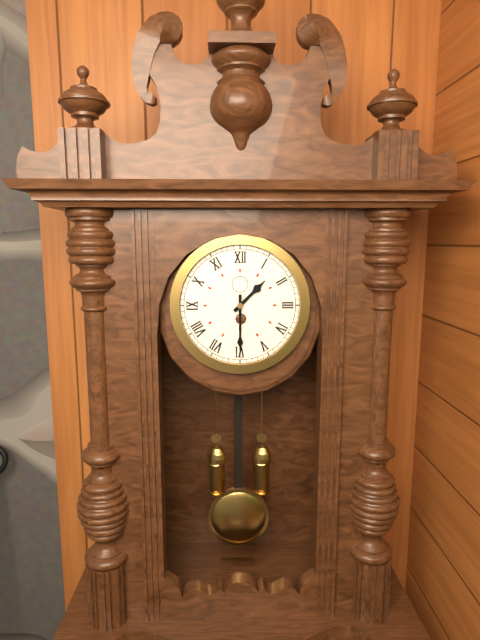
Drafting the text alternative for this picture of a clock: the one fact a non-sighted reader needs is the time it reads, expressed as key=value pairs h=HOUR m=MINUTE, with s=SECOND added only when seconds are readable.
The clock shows h=1 m=30
